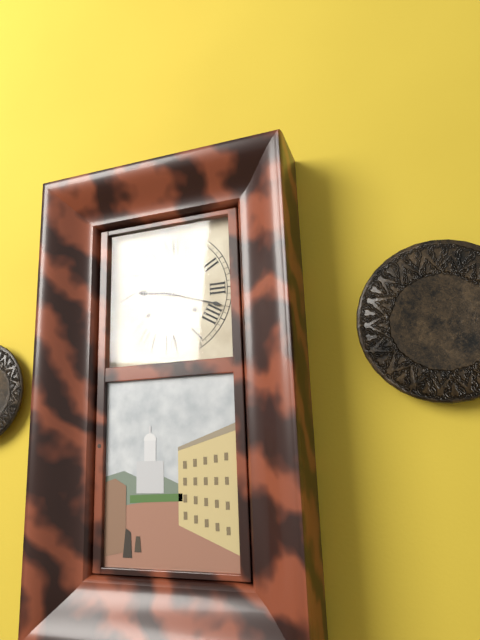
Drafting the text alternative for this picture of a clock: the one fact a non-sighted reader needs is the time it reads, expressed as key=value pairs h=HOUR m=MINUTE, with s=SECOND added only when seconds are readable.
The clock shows h=9 m=18
